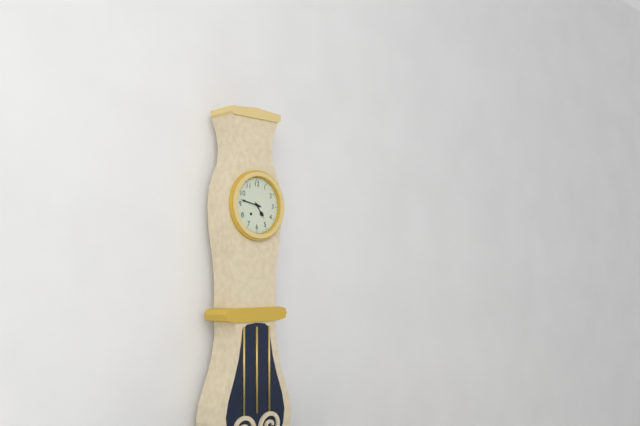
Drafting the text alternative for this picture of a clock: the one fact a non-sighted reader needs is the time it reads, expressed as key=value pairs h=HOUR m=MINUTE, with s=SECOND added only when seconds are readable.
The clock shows h=4 m=47
